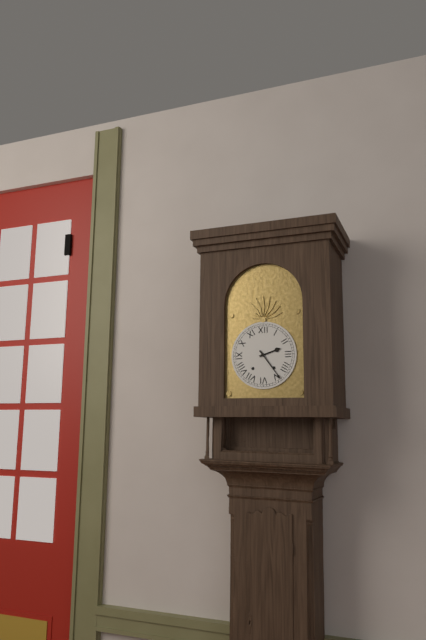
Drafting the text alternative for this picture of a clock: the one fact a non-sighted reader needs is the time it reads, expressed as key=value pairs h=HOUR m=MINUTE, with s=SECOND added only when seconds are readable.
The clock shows h=2 m=24
